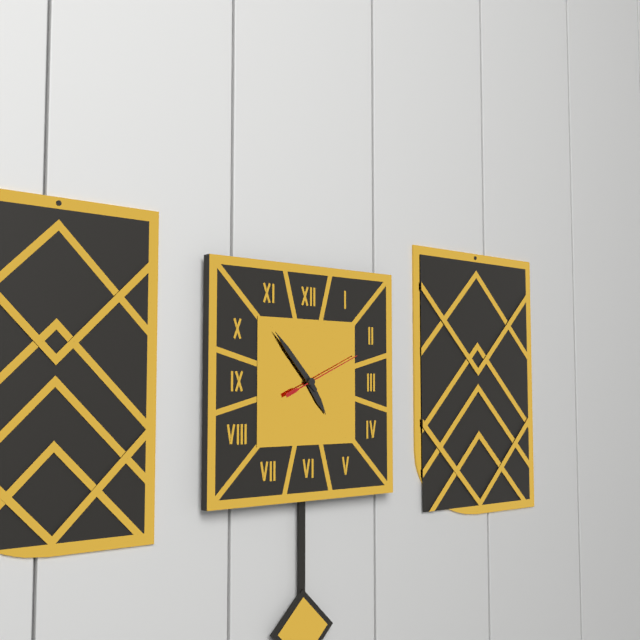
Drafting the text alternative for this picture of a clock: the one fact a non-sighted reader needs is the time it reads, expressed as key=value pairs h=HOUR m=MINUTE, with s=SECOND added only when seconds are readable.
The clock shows h=4 m=53 s=11
